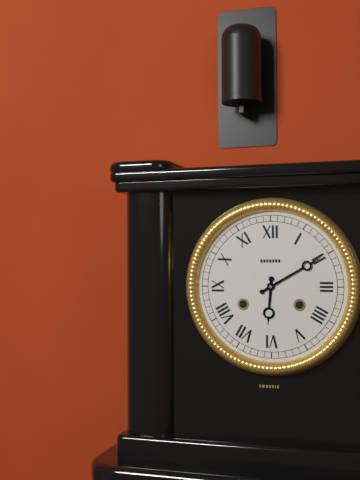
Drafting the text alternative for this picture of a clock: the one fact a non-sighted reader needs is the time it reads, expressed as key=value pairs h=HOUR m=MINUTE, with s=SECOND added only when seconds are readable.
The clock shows h=6 m=10
